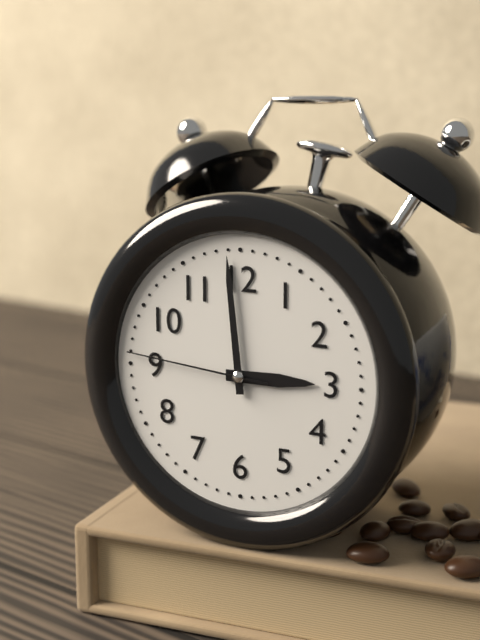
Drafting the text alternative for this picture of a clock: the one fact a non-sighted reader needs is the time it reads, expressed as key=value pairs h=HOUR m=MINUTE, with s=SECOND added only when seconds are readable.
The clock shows h=2 m=59 s=46
